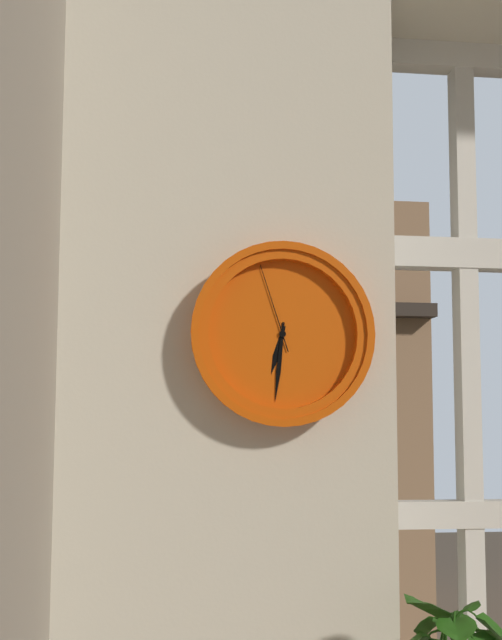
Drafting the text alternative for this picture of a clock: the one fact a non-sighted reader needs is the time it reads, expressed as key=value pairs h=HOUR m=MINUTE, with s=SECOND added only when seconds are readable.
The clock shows h=6 m=31 s=57
